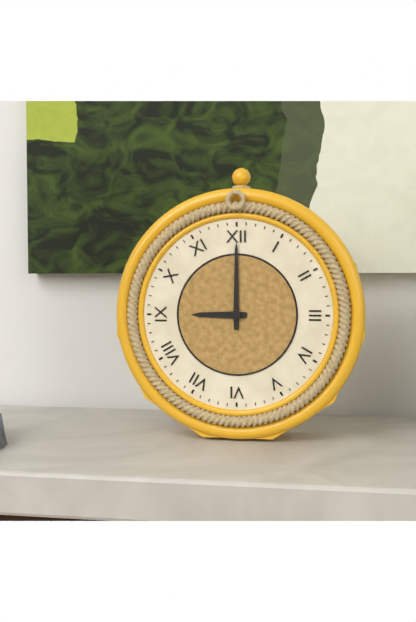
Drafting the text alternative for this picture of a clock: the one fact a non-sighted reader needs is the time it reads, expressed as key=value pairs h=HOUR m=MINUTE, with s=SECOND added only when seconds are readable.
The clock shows h=9 m=0
